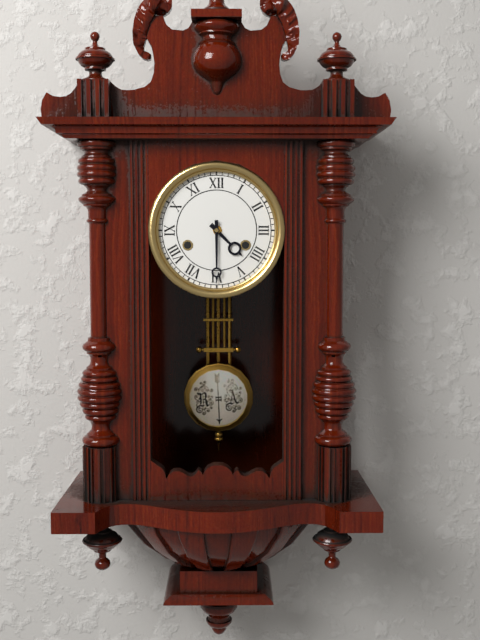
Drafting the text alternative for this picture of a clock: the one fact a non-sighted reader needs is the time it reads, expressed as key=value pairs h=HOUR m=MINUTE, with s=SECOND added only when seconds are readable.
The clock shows h=4 m=30
